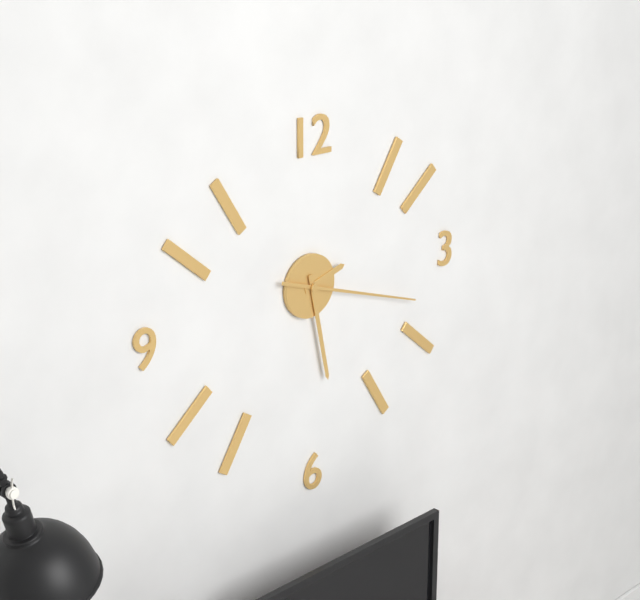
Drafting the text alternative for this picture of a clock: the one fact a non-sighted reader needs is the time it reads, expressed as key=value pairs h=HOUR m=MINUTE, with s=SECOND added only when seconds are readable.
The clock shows h=2 m=28 s=18
